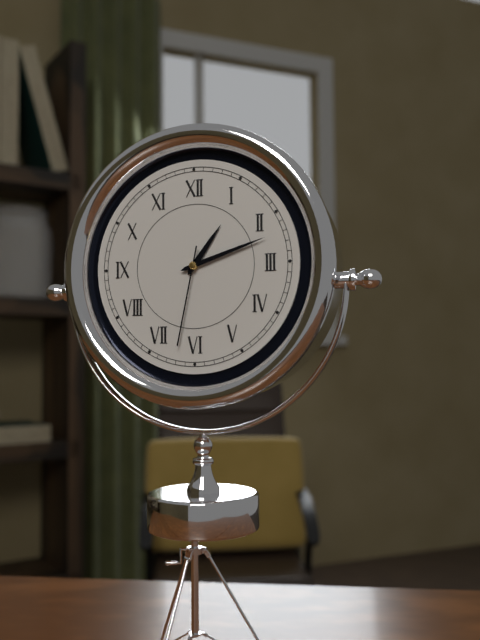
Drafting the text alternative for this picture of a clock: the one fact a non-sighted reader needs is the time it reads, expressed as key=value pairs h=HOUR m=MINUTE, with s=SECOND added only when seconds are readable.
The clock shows h=1 m=12 s=32
